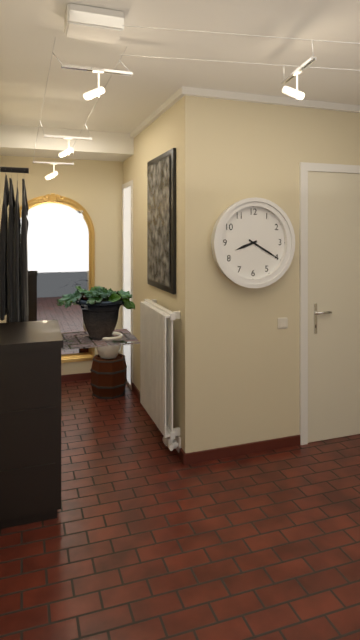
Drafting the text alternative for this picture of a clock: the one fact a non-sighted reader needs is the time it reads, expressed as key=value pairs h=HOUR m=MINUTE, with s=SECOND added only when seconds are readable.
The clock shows h=8 m=20
